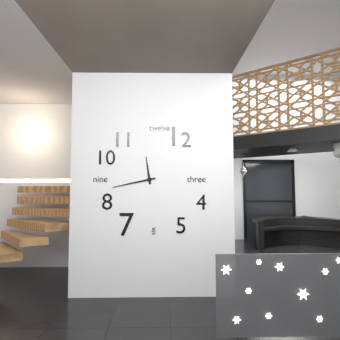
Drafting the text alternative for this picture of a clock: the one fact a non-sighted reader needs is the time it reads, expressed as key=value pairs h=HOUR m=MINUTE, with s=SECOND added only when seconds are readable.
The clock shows h=11 m=43
